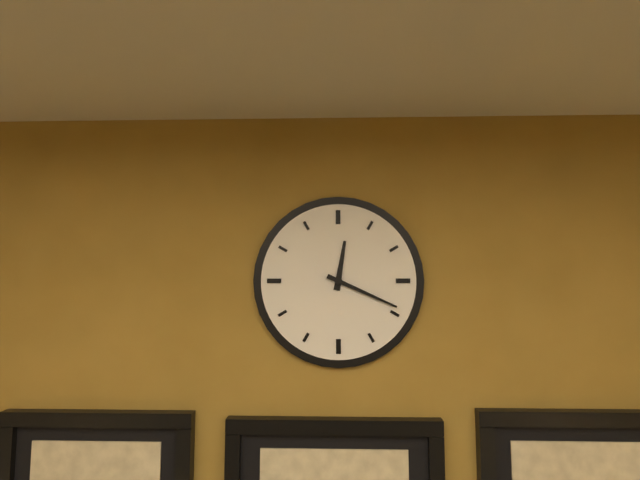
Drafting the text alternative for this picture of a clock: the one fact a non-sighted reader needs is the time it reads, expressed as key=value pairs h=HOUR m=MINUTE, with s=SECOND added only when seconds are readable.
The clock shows h=12 m=19
